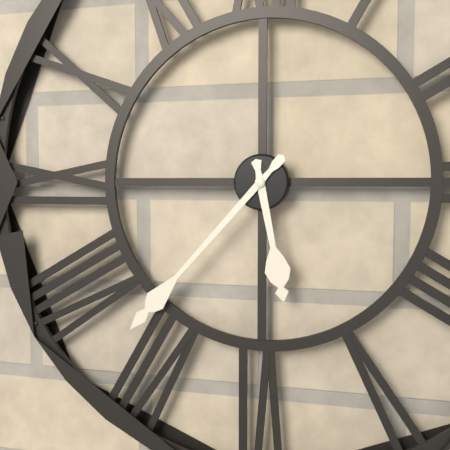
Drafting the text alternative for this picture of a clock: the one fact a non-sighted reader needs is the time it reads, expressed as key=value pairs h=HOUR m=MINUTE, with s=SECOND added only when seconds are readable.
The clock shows h=5 m=37
